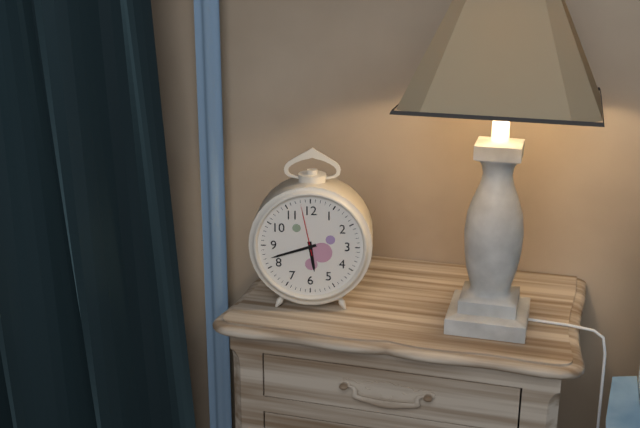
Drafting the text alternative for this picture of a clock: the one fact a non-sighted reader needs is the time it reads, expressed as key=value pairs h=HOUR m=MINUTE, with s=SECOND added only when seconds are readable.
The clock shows h=5 m=42 s=58
